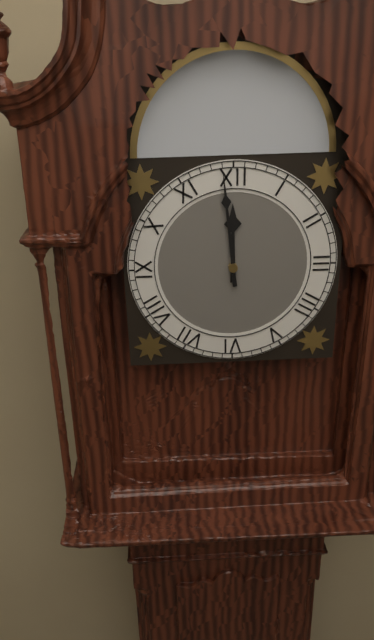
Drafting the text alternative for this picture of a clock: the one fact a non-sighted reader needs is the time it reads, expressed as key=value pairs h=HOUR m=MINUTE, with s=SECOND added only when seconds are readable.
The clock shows h=11 m=59
